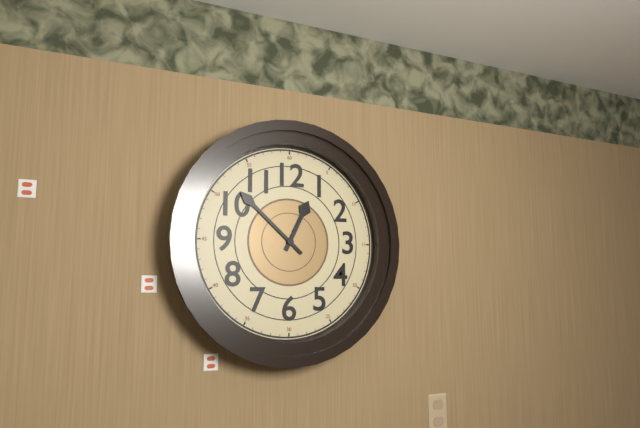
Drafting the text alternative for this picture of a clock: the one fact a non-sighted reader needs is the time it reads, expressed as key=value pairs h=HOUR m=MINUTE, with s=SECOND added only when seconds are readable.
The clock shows h=12 m=52
